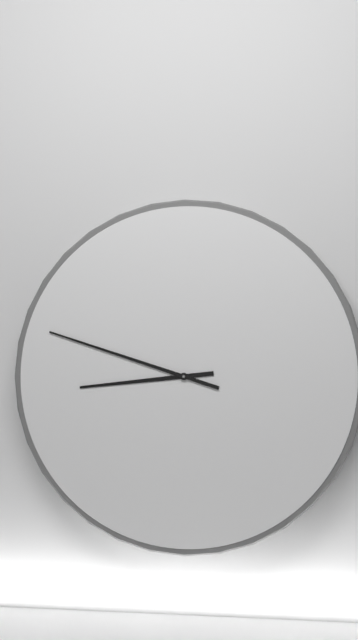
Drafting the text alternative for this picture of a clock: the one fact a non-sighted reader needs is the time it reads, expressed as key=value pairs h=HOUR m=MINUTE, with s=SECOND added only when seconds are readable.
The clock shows h=8 m=48
